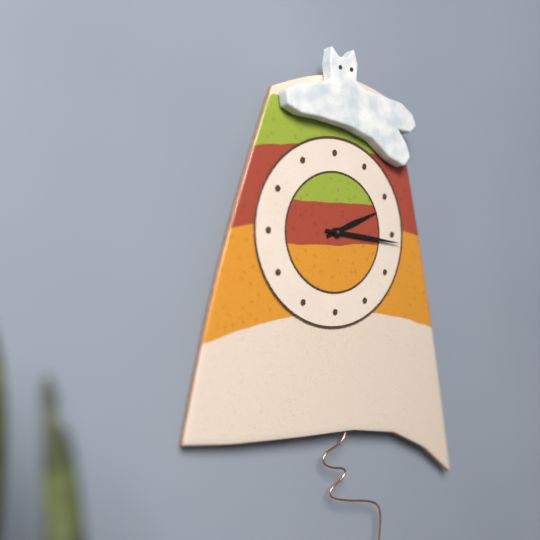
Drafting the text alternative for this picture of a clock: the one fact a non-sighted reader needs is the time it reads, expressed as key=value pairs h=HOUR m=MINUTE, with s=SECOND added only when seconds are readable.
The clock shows h=2 m=16
